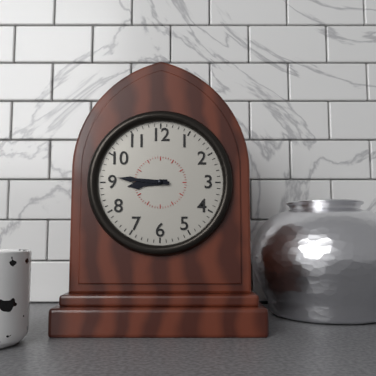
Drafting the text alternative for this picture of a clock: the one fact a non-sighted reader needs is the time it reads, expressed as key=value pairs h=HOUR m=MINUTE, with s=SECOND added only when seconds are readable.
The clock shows h=8 m=46
